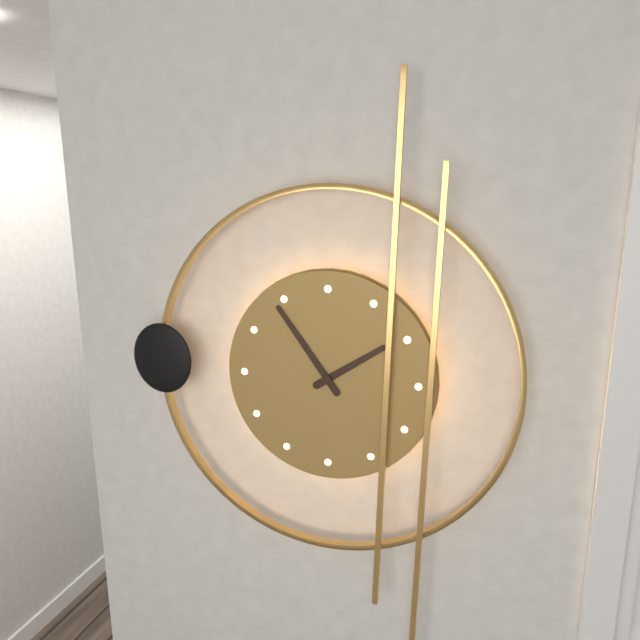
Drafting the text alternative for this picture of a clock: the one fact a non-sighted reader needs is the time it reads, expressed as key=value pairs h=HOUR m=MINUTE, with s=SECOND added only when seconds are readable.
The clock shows h=1 m=54
